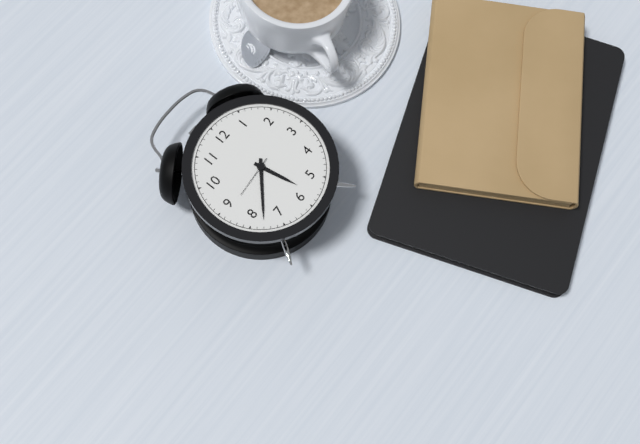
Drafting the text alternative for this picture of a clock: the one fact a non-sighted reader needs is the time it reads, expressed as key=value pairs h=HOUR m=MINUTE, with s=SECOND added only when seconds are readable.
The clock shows h=5 m=38
